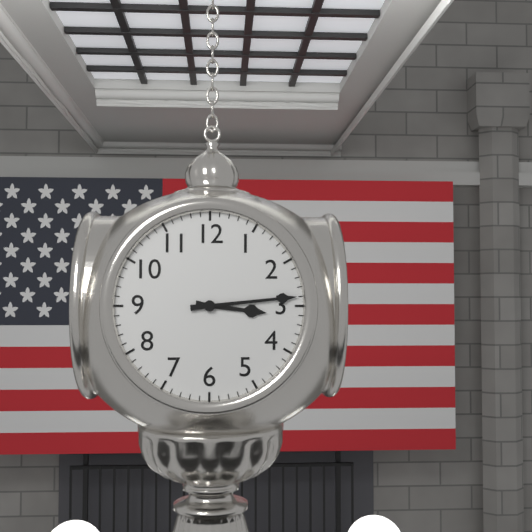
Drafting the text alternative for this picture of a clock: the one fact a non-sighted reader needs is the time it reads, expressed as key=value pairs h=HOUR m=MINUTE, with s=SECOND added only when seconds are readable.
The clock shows h=3 m=14
